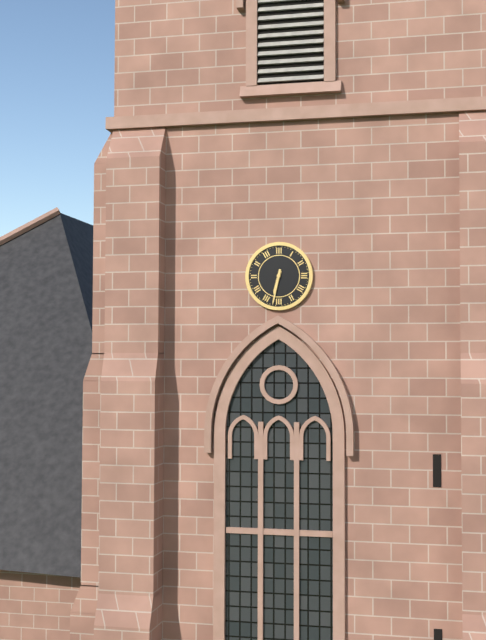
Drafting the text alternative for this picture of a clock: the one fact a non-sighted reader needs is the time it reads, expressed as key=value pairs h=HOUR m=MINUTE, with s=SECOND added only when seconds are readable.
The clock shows h=6 m=32
